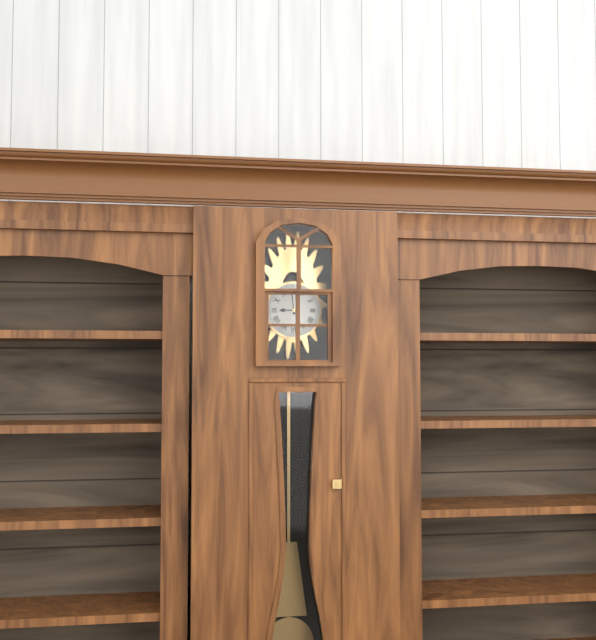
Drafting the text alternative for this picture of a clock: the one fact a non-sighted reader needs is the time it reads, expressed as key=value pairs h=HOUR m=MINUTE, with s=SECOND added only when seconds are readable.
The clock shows h=8 m=59
